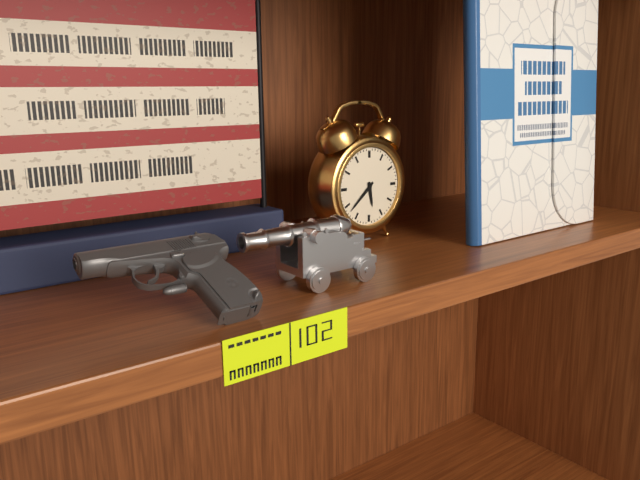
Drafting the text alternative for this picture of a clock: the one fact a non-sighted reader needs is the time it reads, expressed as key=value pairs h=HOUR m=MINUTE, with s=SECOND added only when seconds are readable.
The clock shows h=5 m=38
